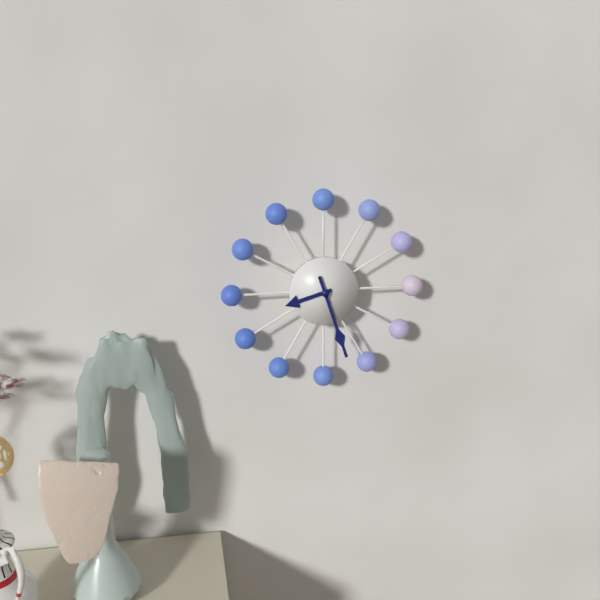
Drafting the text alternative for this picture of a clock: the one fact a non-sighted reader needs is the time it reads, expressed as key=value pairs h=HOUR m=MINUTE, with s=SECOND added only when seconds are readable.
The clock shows h=8 m=27
